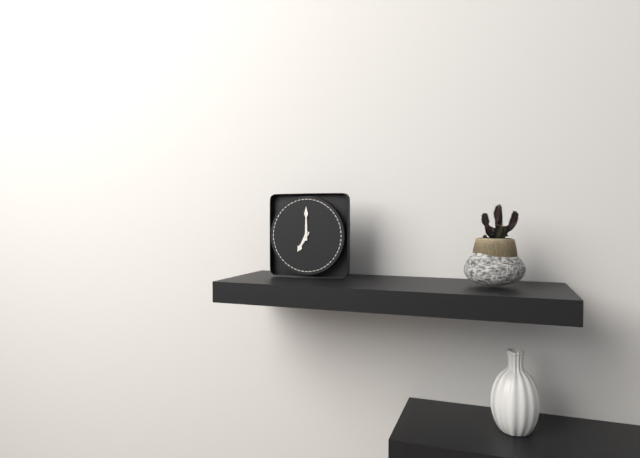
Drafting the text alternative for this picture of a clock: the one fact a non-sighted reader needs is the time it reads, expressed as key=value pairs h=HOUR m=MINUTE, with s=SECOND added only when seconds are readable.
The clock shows h=7 m=0
